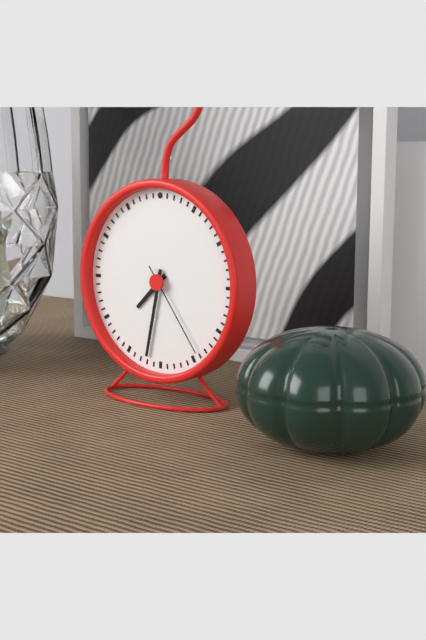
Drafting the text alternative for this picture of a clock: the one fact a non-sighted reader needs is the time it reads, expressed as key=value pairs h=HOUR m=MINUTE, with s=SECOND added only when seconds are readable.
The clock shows h=7 m=32 s=24
